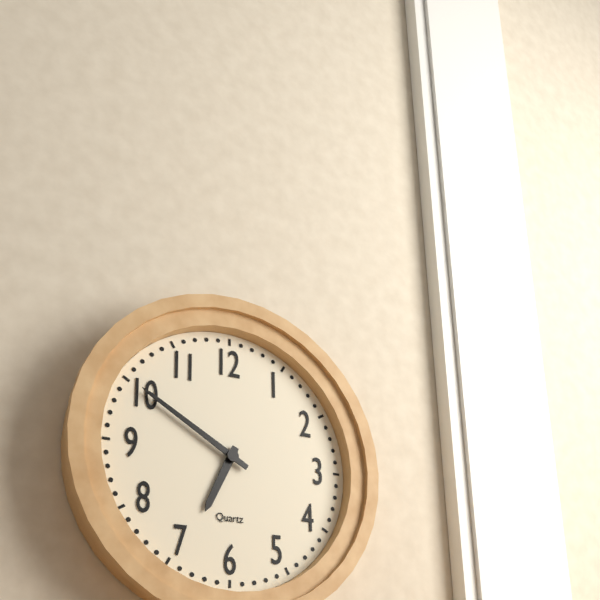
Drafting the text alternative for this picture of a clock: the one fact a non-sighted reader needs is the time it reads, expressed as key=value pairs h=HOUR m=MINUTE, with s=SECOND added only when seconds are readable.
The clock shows h=6 m=50
